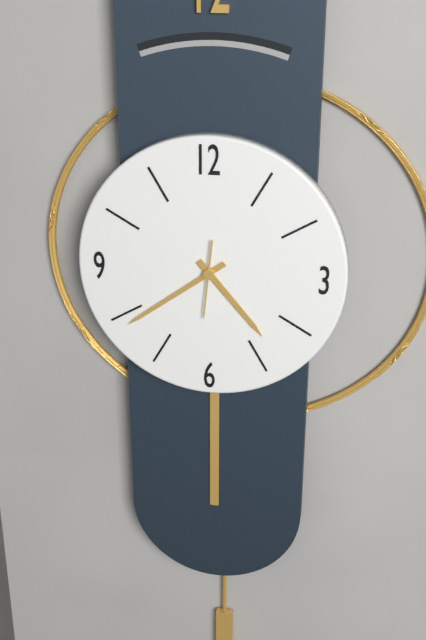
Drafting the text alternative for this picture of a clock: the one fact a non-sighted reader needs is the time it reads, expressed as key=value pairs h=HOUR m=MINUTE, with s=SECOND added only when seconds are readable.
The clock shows h=4 m=39 s=31
